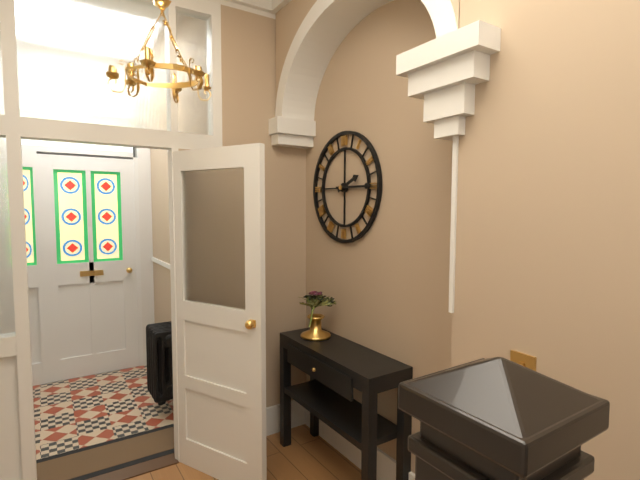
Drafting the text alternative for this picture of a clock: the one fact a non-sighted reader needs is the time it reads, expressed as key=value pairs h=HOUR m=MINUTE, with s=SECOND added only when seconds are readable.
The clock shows h=2 m=15
